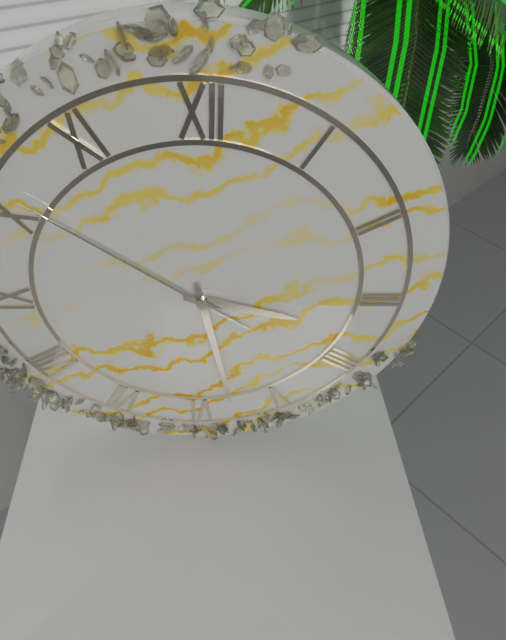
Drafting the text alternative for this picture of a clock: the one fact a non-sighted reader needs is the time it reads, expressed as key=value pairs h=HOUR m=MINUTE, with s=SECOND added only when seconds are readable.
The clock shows h=3 m=28 s=51
